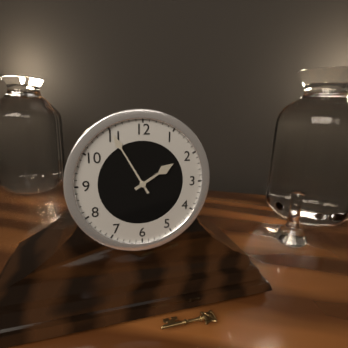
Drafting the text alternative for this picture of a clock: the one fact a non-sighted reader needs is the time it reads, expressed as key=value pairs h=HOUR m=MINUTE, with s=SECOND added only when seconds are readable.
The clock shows h=1 m=55
